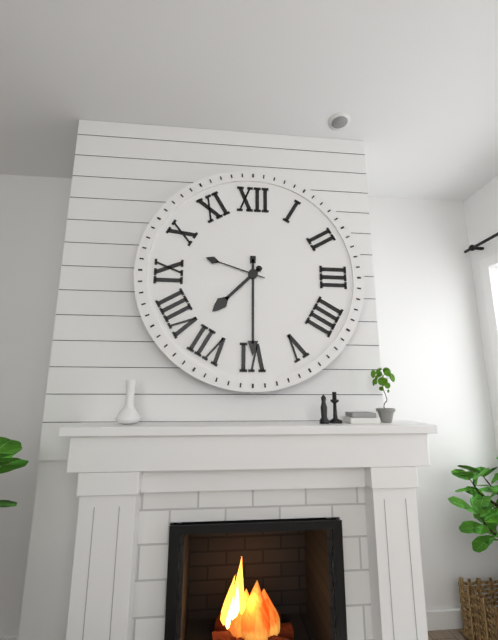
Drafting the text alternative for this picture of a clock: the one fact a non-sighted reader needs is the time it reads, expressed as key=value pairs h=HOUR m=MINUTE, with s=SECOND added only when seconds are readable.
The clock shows h=7 m=30 s=48
